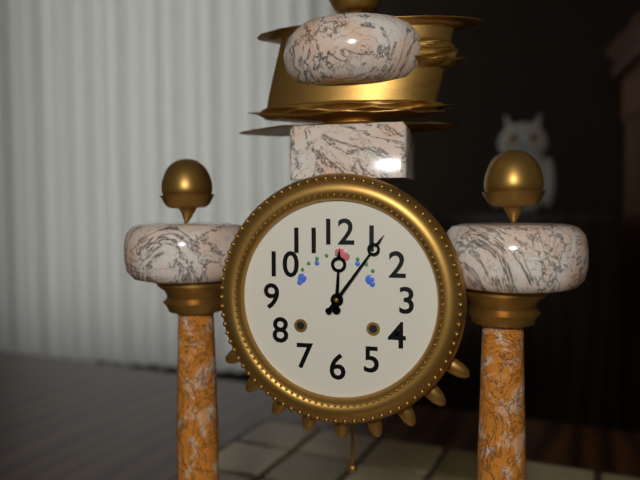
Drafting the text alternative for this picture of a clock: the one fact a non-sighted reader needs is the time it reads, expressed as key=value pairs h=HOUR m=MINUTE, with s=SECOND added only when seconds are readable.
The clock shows h=12 m=6
